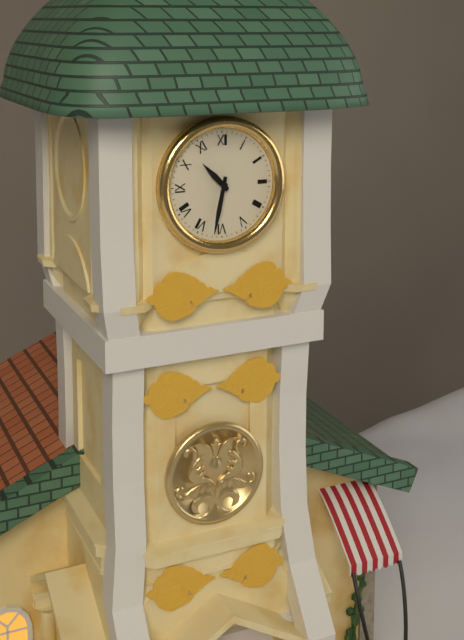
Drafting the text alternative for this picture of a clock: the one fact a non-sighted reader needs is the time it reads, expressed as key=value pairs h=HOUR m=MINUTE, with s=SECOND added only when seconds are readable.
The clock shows h=10 m=32
